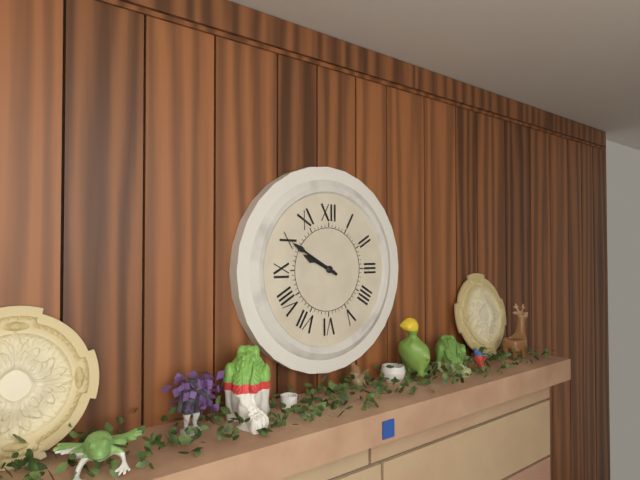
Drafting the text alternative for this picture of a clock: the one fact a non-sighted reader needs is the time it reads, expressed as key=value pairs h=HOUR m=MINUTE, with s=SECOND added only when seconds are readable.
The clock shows h=9 m=50
